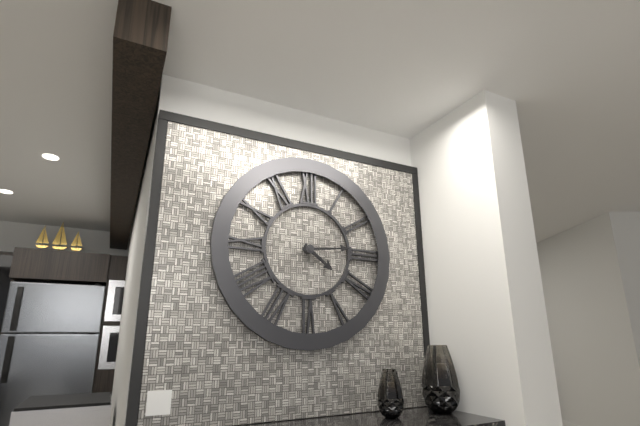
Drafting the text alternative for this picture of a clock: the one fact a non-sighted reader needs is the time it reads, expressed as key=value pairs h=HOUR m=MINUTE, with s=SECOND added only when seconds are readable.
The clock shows h=4 m=14
